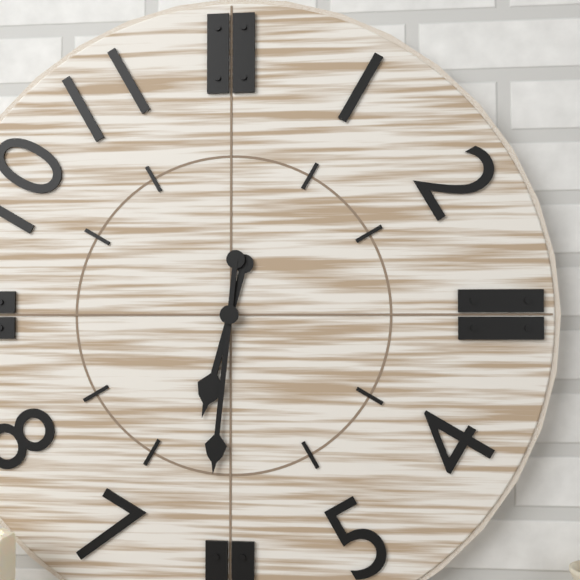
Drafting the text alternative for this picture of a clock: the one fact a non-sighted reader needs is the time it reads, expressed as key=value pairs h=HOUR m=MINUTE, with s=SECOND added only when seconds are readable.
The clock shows h=6 m=31
